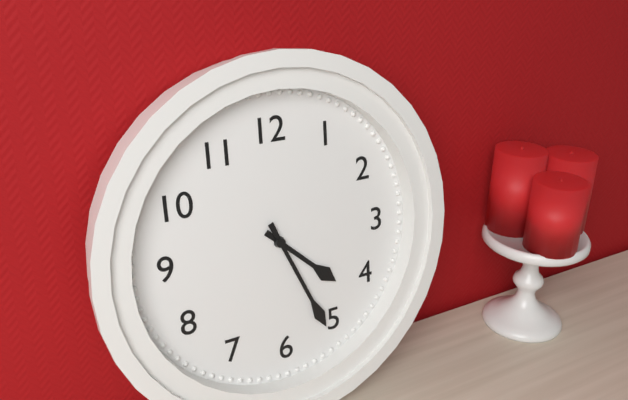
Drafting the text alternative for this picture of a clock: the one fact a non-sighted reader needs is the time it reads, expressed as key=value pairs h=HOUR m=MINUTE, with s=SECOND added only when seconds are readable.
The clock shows h=4 m=26
